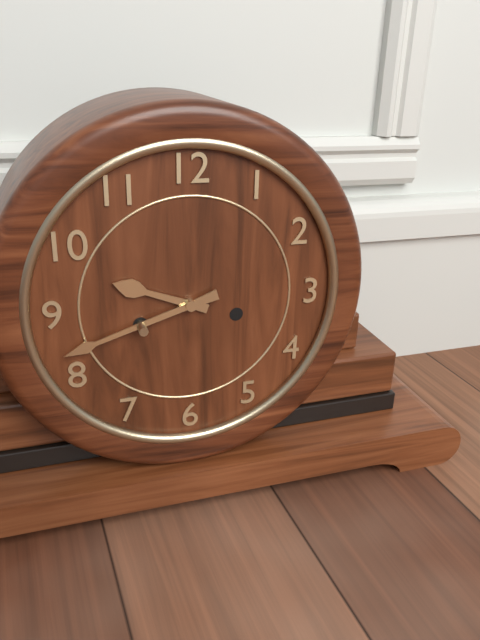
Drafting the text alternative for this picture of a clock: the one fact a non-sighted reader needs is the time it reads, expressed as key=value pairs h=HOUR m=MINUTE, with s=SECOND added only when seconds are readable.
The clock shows h=9 m=42
